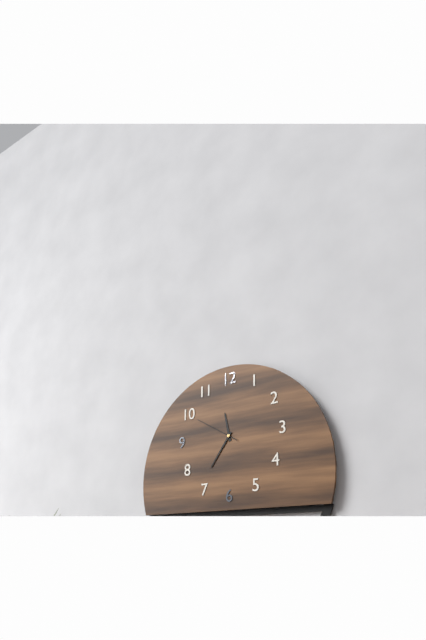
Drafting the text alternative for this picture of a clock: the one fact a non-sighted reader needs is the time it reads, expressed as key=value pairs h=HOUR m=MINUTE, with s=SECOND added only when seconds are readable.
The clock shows h=11 m=36
